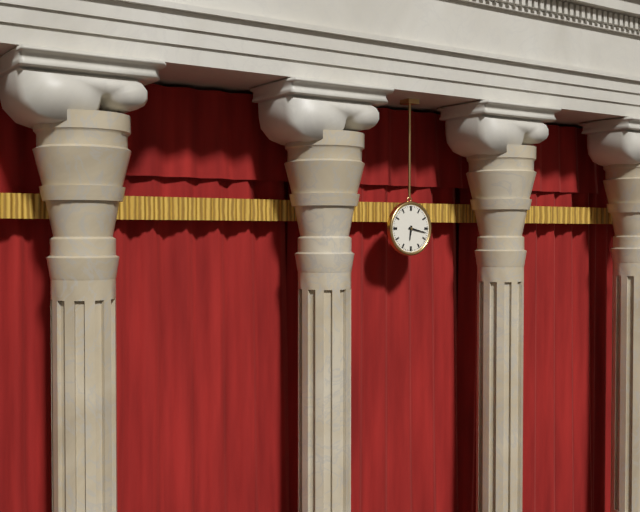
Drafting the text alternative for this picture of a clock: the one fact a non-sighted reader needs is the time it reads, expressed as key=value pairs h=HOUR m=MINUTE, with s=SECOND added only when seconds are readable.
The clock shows h=6 m=17
